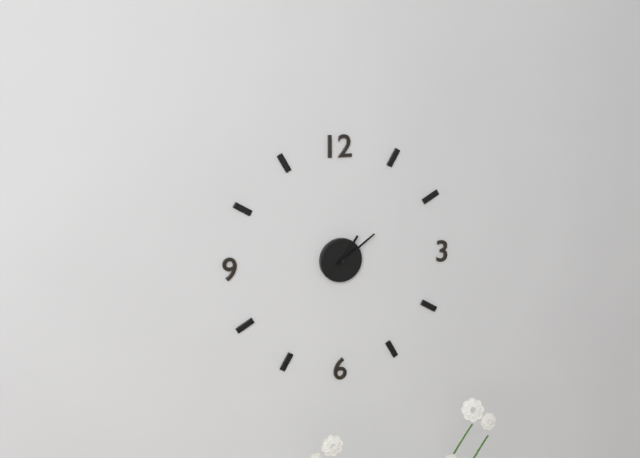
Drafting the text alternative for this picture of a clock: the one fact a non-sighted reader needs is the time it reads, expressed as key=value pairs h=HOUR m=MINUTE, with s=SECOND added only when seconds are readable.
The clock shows h=1 m=9
